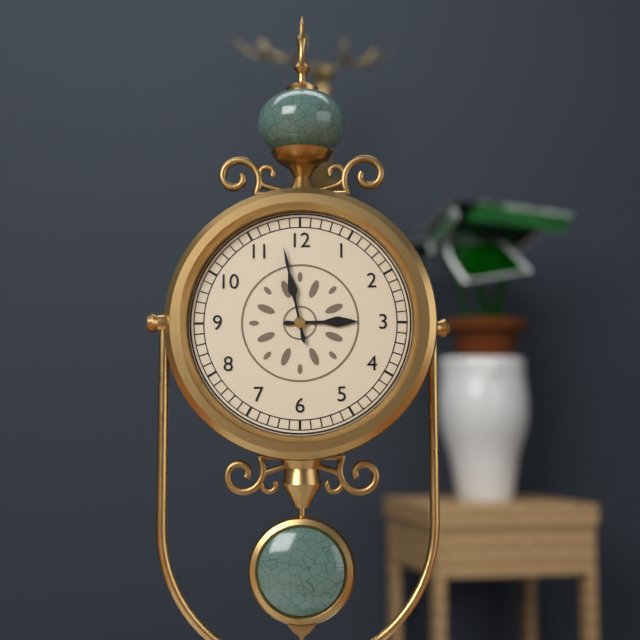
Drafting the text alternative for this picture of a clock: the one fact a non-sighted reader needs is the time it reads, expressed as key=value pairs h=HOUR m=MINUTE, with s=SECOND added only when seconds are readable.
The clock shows h=2 m=58
